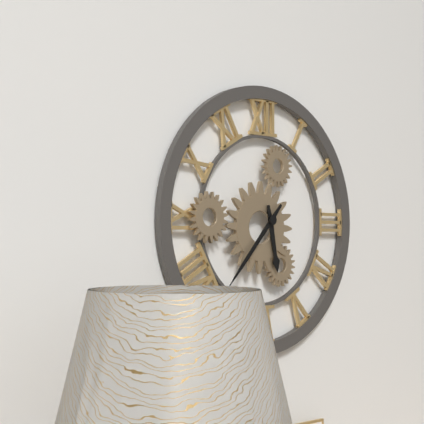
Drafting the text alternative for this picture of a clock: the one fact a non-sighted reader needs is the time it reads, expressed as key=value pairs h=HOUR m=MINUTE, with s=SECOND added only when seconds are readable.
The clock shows h=5 m=37
